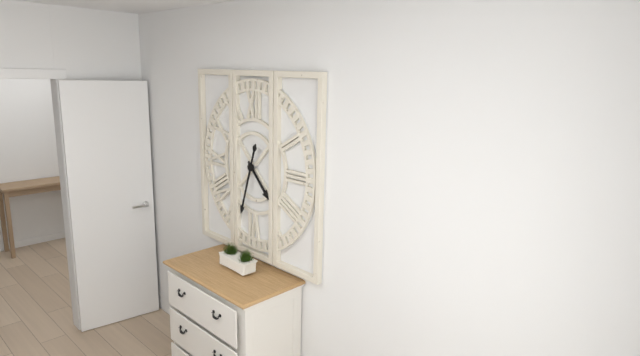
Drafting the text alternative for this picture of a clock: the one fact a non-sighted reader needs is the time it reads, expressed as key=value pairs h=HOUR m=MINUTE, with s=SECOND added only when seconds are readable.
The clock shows h=4 m=33
